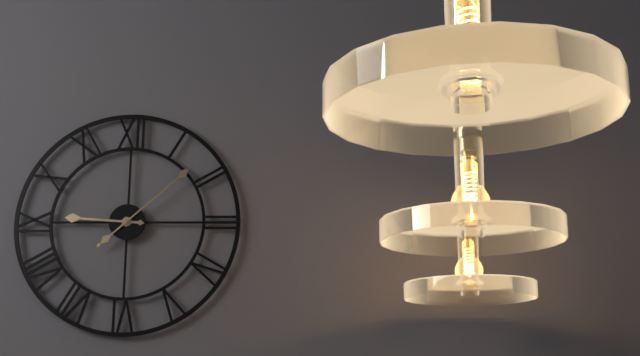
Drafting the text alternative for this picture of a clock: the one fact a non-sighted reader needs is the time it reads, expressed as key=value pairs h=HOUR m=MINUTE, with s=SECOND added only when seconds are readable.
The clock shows h=9 m=8
